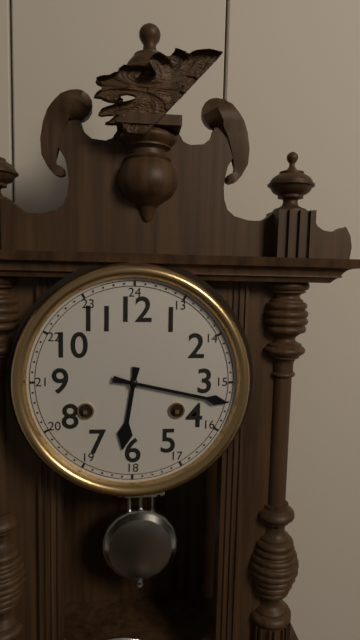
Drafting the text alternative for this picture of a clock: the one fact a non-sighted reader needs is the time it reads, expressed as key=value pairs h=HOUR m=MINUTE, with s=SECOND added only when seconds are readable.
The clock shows h=6 m=17
